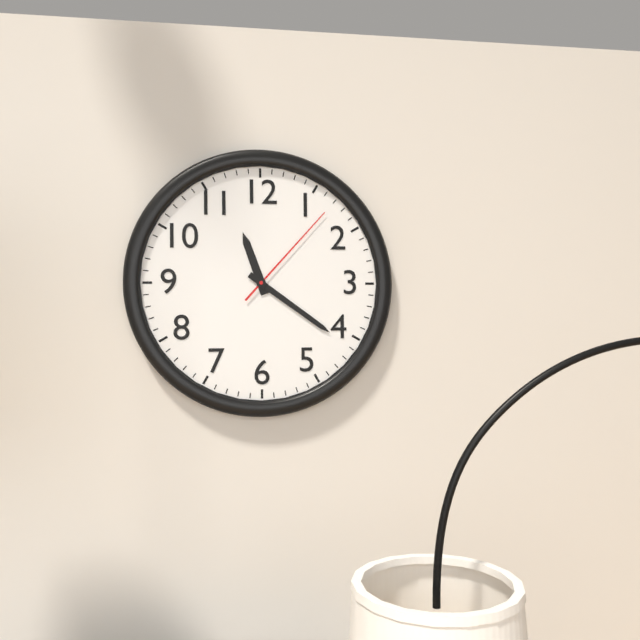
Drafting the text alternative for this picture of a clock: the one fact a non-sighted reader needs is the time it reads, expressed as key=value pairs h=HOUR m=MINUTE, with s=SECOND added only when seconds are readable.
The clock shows h=11 m=21 s=7
